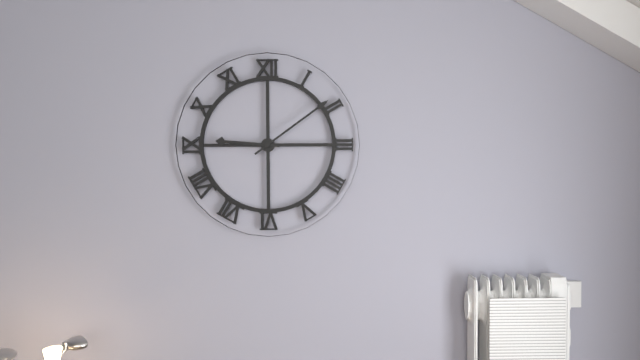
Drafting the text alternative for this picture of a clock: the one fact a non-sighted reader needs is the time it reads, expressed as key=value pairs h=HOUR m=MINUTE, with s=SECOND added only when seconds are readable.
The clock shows h=9 m=9
